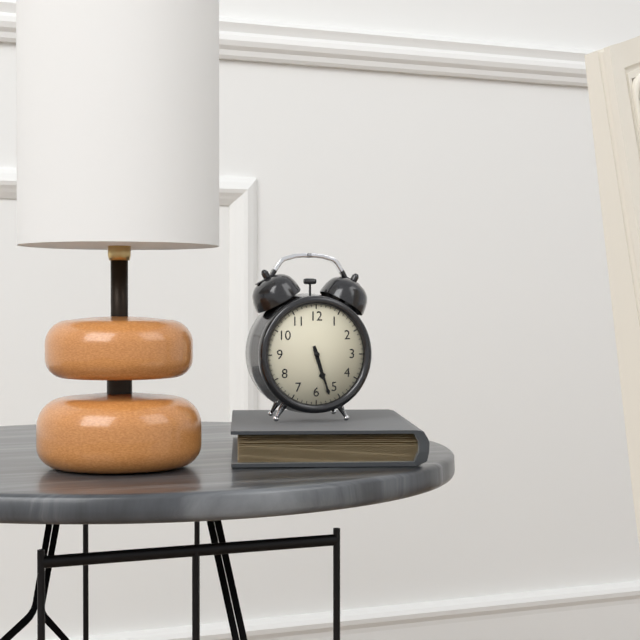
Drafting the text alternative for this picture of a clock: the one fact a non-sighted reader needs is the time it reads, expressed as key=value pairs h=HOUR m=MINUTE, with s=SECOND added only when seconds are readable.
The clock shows h=5 m=27
